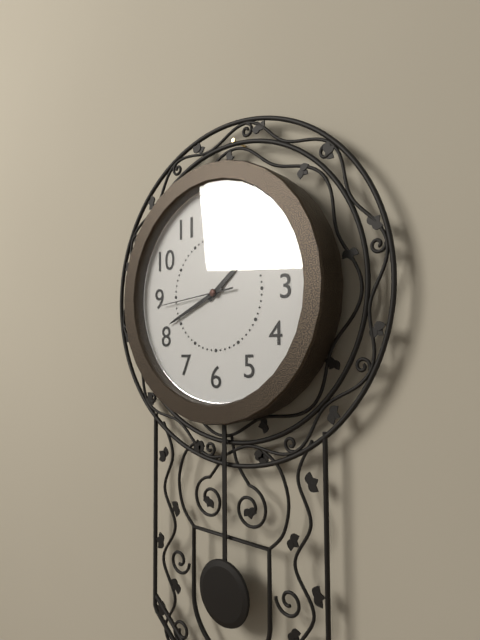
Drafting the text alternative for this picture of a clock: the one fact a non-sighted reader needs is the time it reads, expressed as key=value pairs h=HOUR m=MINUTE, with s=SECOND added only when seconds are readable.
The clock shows h=1 m=41 s=44
